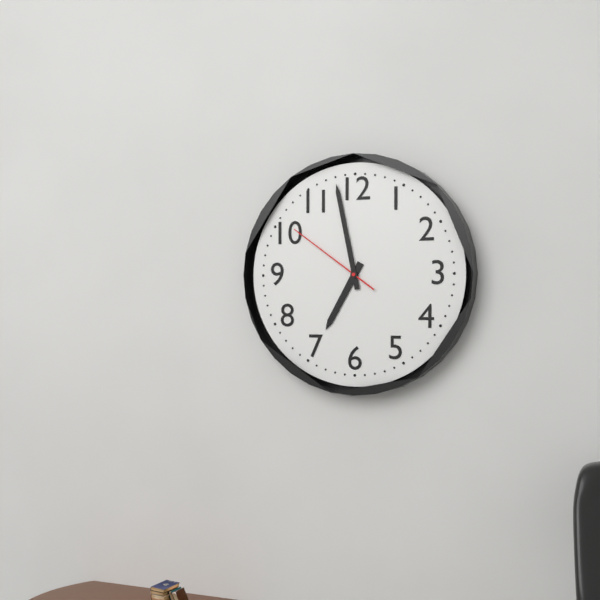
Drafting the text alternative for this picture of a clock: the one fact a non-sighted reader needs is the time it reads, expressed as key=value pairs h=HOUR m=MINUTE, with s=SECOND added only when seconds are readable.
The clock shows h=6 m=58 s=51
